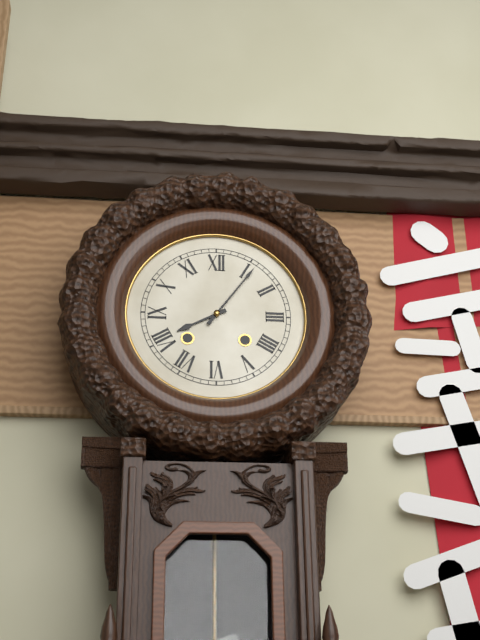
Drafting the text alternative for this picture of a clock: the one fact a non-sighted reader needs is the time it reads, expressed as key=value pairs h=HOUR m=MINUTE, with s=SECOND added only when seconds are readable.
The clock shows h=8 m=6
